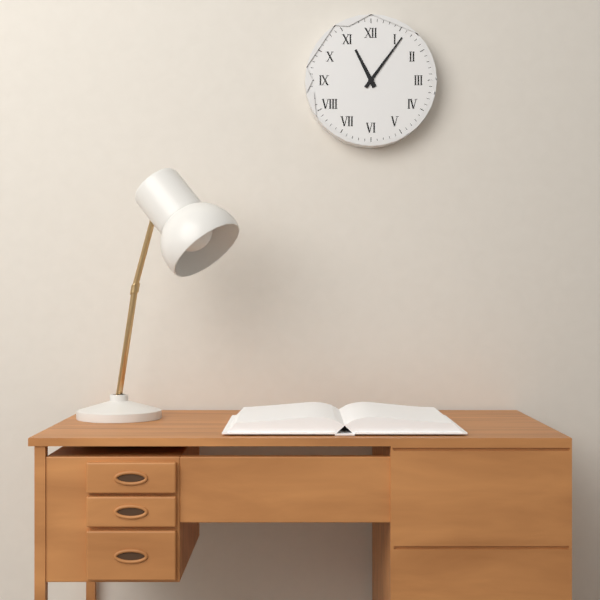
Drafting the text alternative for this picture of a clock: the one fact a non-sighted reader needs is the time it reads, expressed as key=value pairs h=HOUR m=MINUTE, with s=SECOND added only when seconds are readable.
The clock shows h=11 m=6
